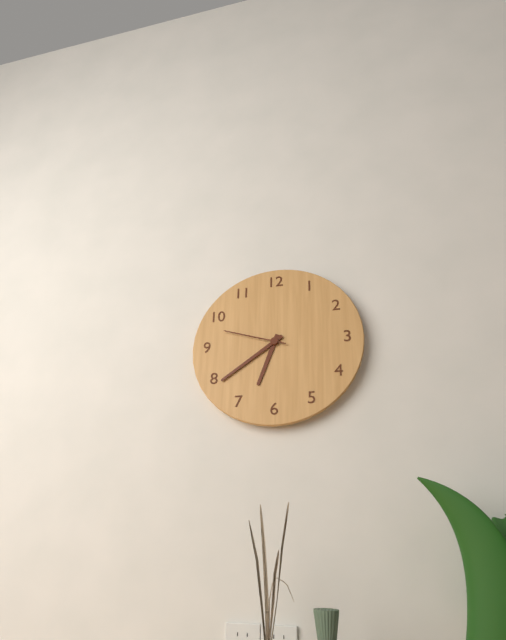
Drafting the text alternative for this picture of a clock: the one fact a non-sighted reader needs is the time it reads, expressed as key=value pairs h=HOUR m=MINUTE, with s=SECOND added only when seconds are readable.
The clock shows h=6 m=39 s=48
